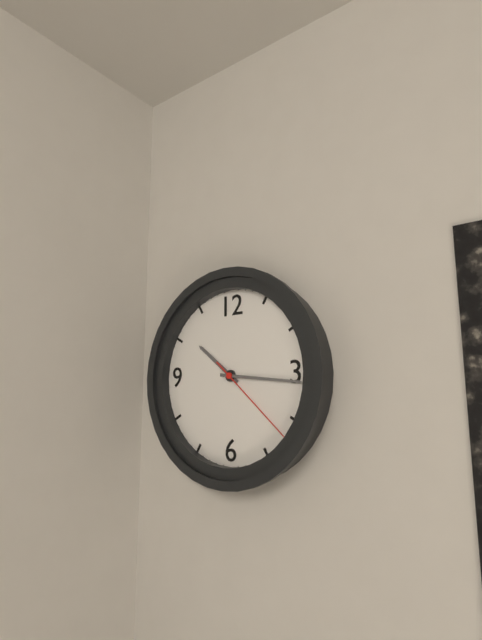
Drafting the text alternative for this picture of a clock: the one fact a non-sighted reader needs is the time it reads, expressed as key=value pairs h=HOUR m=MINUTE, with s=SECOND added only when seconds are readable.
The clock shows h=10 m=16 s=22
